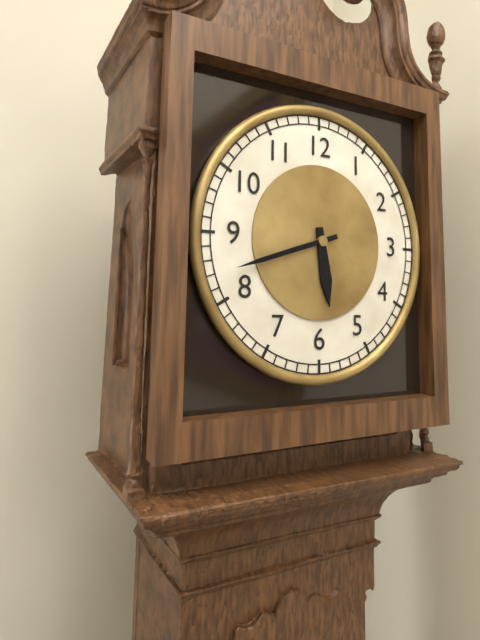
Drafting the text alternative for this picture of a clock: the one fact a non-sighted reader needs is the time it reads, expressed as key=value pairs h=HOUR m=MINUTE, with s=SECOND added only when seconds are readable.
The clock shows h=5 m=42
